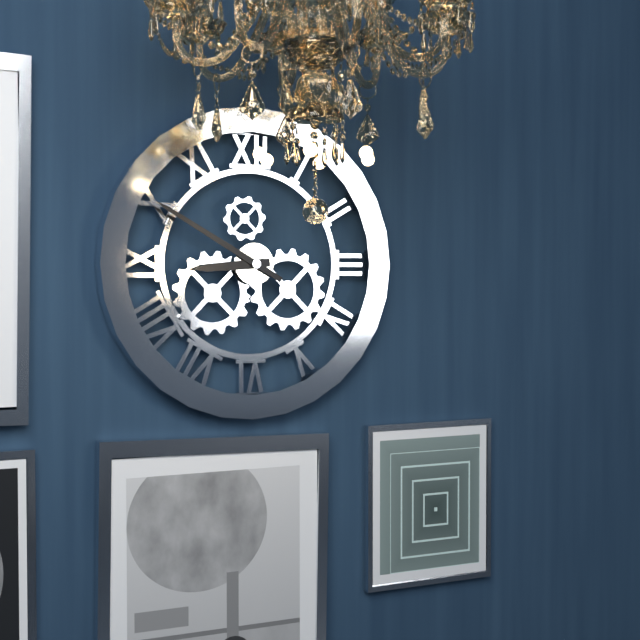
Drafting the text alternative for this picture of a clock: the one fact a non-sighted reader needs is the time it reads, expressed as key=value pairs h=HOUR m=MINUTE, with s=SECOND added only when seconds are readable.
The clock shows h=8 m=50
